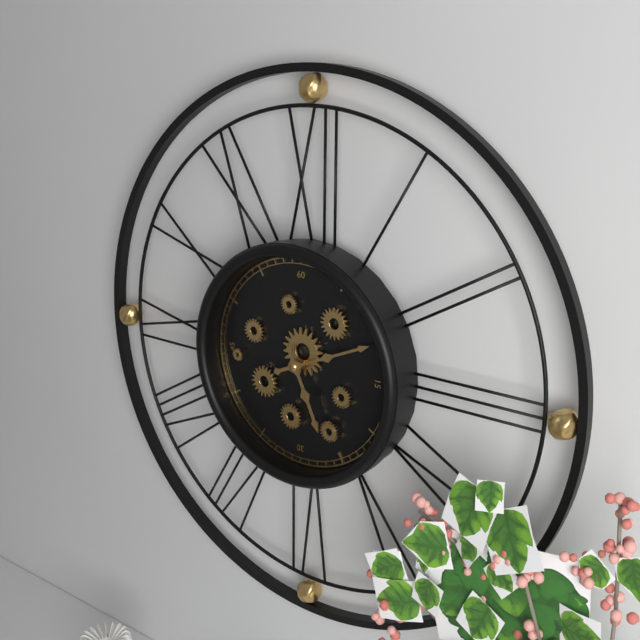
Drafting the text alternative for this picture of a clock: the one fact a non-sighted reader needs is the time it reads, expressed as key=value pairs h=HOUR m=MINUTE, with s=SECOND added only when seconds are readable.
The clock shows h=5 m=11
